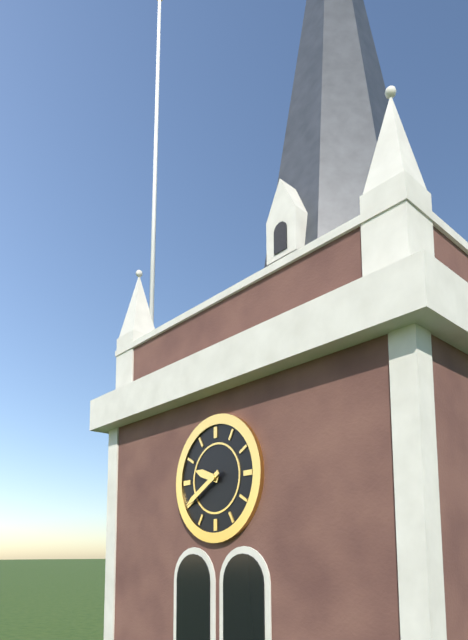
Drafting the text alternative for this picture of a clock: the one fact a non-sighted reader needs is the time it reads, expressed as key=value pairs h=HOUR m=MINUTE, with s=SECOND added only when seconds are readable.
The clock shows h=9 m=40
